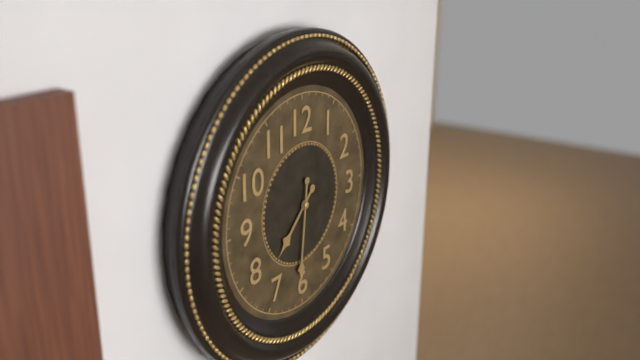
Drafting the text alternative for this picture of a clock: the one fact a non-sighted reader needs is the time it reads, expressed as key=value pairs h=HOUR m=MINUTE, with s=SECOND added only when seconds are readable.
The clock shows h=7 m=31
